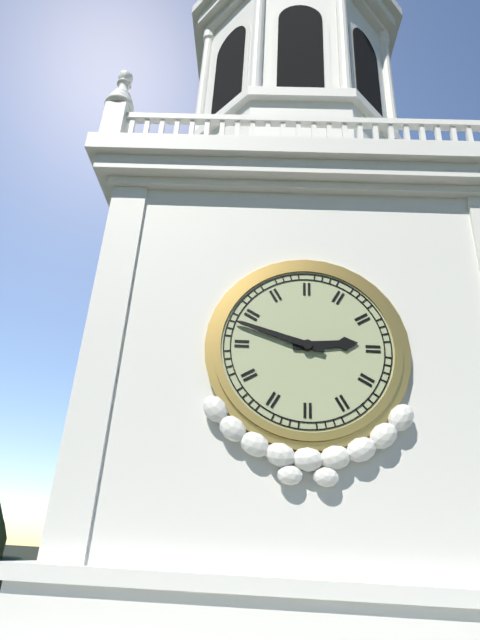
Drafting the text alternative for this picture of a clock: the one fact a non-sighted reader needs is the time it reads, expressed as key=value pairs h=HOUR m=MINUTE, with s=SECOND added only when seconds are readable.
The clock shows h=2 m=48
